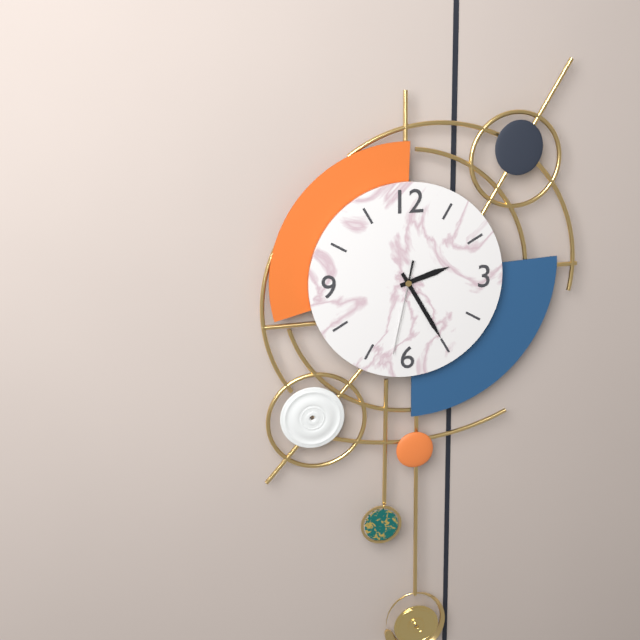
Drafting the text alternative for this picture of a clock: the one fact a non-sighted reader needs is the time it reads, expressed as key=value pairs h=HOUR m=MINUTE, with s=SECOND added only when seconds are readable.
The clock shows h=2 m=25 s=32
